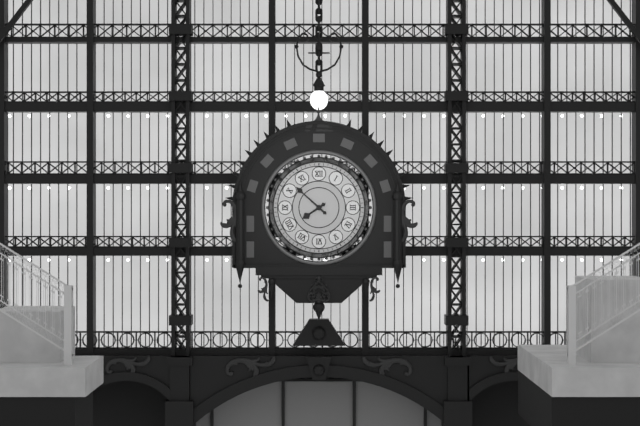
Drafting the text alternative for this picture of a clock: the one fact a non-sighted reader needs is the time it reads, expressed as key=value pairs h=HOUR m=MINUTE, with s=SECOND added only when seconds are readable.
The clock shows h=7 m=52
